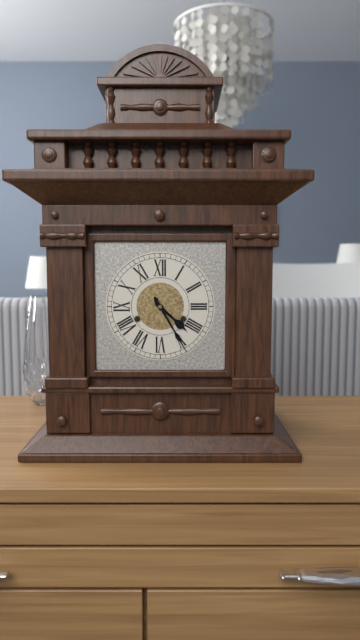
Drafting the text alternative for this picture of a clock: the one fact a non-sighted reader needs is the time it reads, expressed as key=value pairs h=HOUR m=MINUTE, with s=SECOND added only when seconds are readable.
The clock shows h=4 m=25
